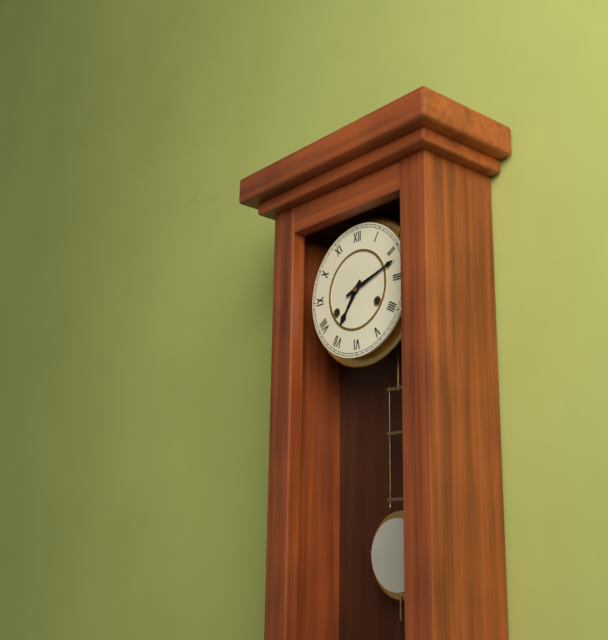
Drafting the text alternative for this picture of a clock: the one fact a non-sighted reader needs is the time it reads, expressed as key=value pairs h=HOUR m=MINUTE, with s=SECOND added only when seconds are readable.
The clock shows h=7 m=12
